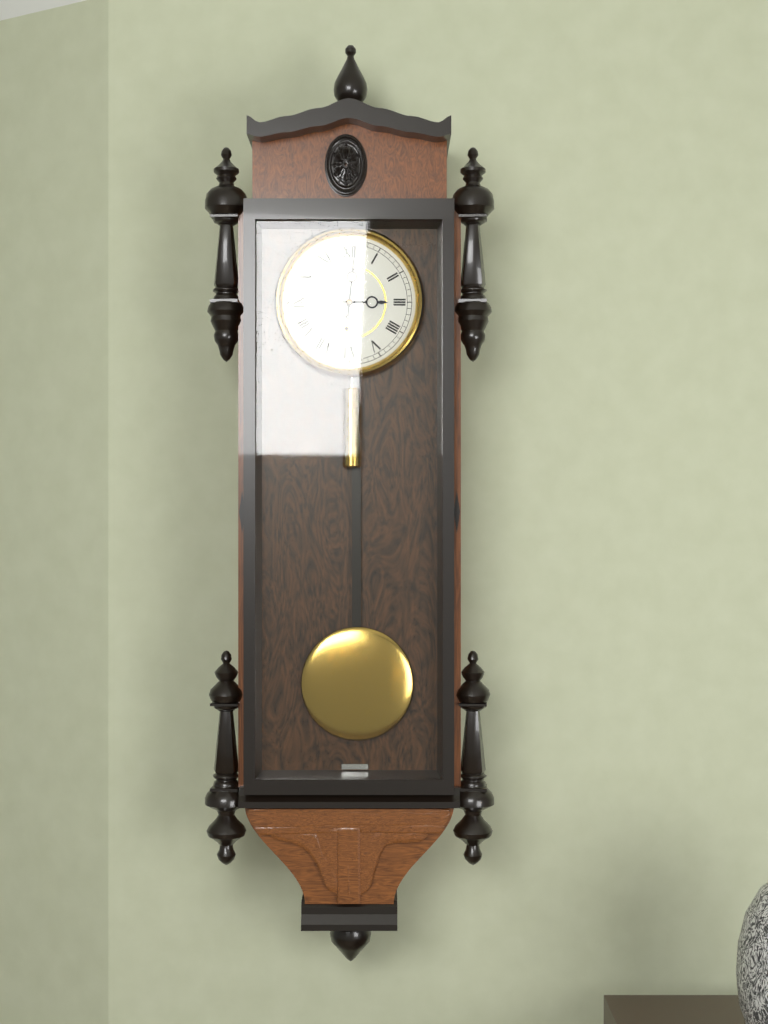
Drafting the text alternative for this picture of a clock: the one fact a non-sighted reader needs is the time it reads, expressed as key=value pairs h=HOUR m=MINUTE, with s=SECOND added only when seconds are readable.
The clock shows h=3 m=1
